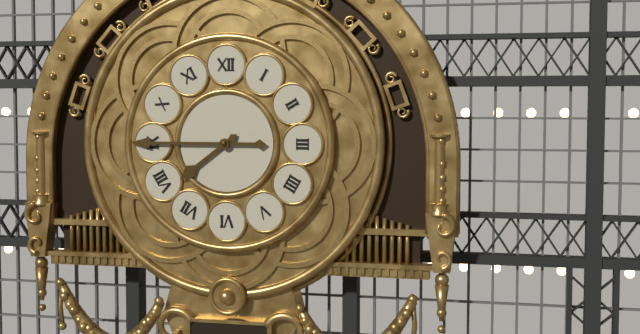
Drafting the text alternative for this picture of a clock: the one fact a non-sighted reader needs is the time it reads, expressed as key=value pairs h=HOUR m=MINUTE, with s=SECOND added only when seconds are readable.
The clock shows h=7 m=45
